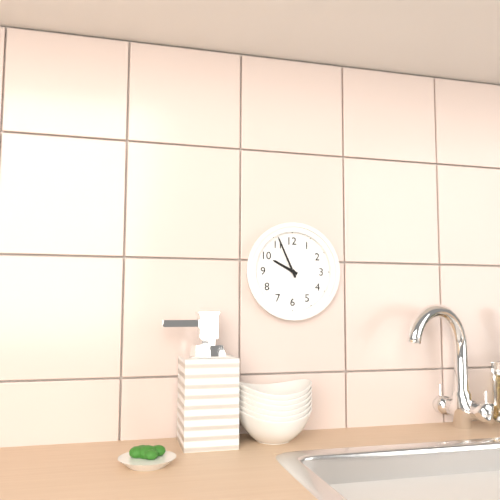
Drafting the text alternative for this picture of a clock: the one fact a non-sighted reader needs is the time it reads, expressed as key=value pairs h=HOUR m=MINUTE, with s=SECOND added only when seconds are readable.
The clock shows h=9 m=56
